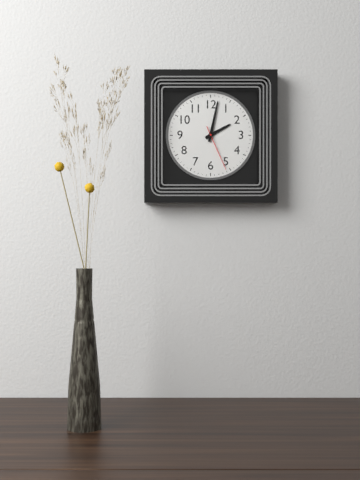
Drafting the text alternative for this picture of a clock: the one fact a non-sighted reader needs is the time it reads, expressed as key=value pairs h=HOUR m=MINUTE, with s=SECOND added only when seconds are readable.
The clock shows h=2 m=2
